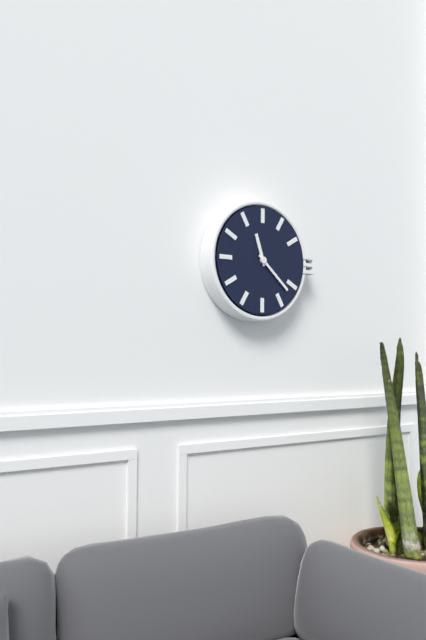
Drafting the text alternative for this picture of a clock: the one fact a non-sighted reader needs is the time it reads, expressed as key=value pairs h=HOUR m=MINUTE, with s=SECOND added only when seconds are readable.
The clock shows h=11 m=22
